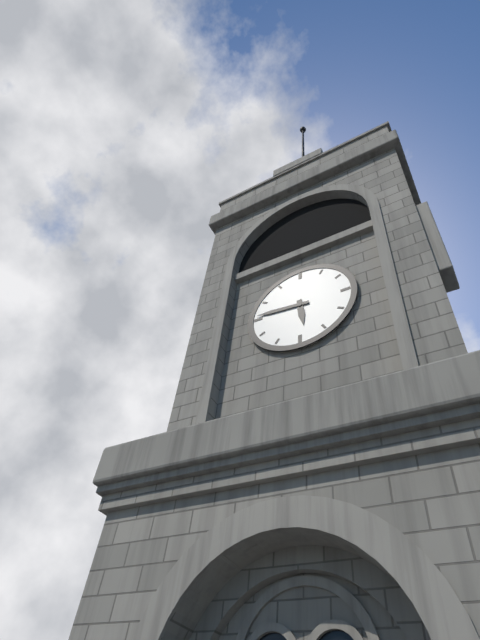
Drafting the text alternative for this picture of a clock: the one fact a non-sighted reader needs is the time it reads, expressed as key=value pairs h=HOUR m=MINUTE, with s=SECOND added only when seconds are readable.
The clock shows h=5 m=46
